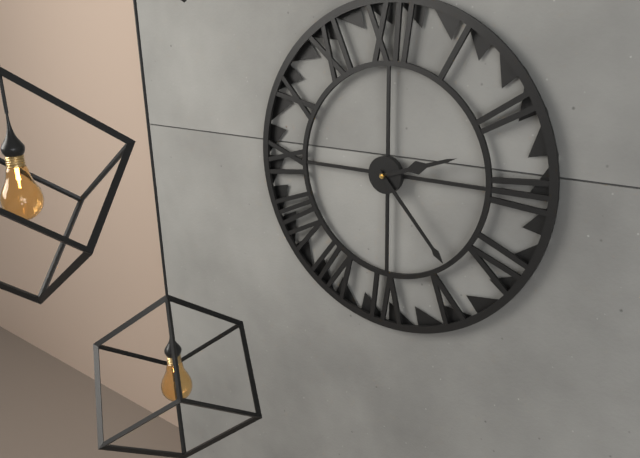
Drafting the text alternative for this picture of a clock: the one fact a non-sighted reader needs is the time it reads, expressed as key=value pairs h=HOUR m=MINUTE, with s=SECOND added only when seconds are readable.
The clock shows h=2 m=23
